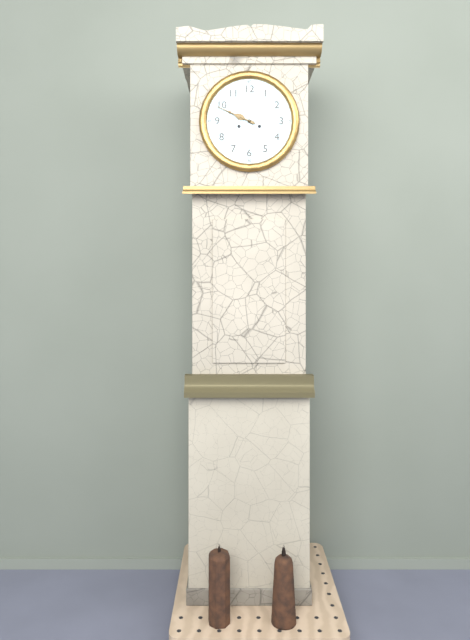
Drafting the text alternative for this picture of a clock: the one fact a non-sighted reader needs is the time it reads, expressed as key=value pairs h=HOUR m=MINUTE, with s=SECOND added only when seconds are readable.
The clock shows h=9 m=49
